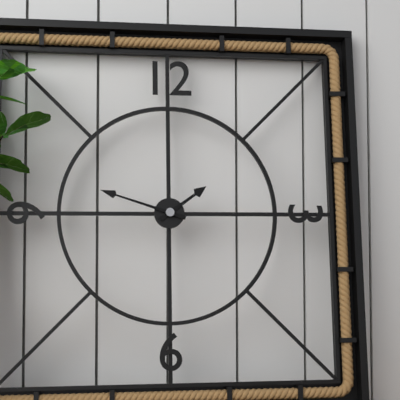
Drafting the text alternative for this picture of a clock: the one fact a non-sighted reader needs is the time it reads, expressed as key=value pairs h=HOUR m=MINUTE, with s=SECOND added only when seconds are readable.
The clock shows h=1 m=48
